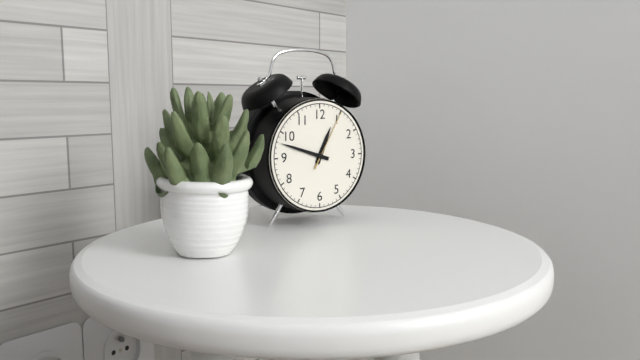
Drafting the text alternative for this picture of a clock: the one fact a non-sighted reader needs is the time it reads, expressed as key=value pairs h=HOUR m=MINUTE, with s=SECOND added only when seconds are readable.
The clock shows h=12 m=48 s=5
